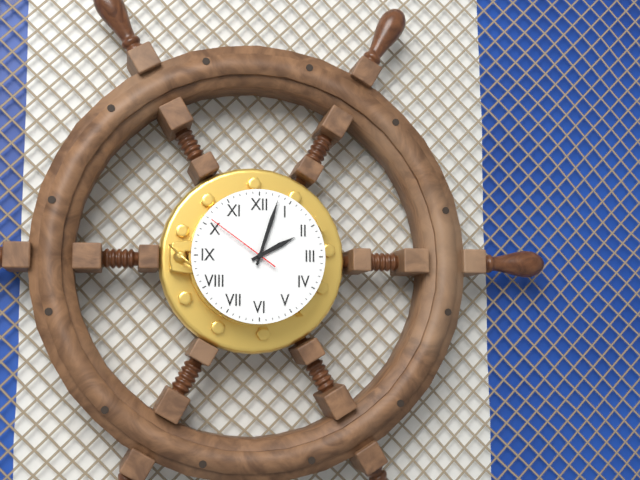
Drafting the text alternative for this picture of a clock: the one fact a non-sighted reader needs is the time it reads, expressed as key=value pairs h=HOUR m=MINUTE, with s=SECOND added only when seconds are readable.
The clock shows h=2 m=3 s=51
